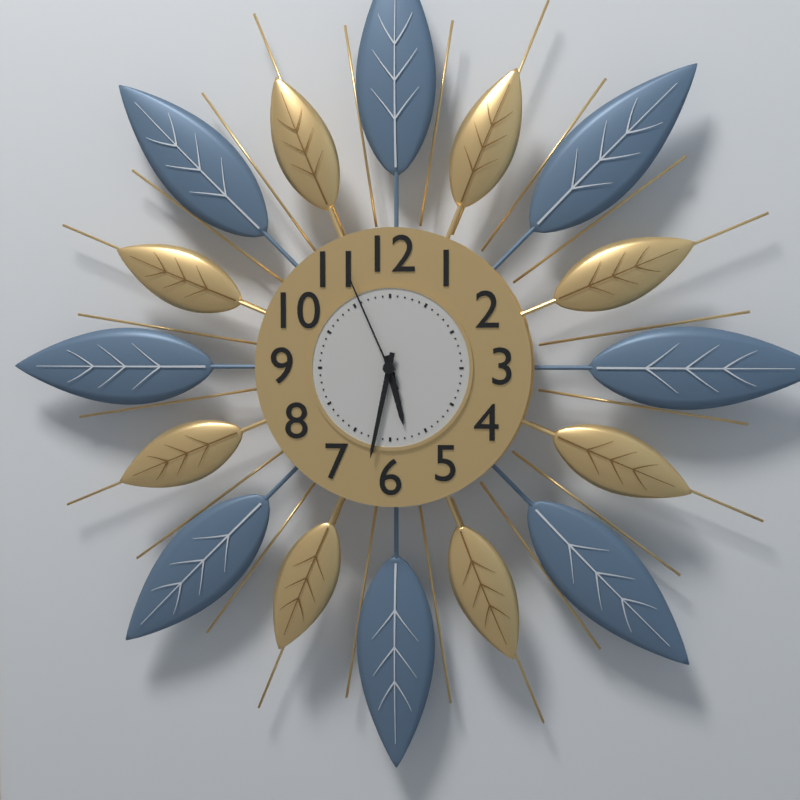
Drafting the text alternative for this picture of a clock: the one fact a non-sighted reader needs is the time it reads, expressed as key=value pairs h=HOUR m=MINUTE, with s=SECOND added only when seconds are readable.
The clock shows h=5 m=32 s=56
